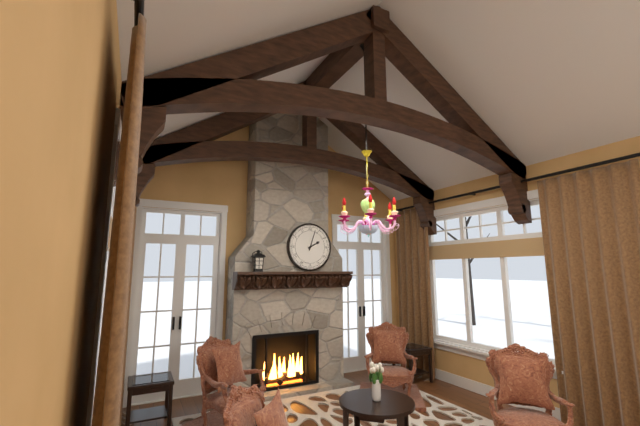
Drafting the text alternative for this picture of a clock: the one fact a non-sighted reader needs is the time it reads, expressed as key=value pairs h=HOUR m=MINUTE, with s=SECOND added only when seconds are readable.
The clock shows h=2 m=3
